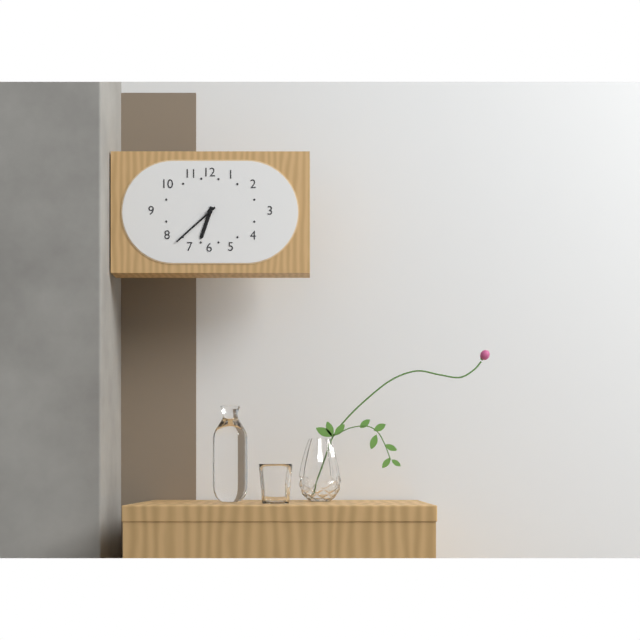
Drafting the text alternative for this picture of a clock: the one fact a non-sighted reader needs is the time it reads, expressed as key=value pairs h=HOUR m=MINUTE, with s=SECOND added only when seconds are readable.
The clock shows h=6 m=38
